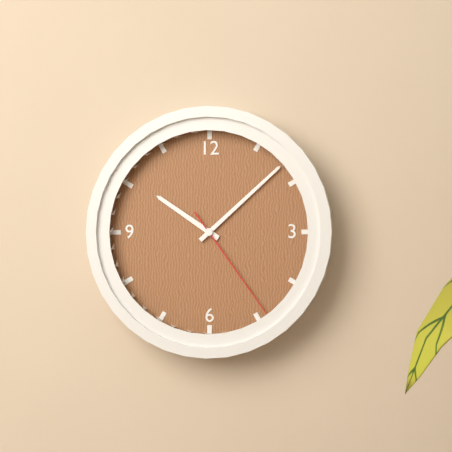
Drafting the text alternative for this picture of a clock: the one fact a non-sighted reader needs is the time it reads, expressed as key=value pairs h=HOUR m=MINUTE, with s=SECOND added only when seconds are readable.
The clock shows h=10 m=8 s=24
